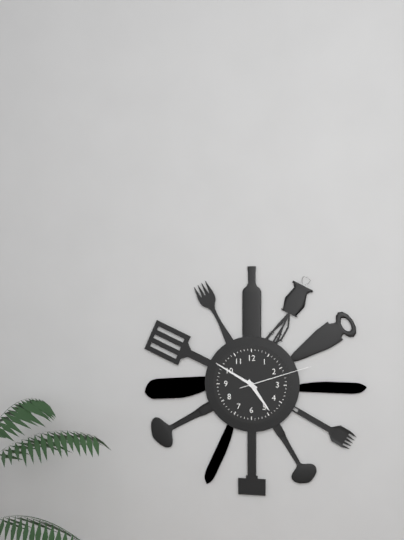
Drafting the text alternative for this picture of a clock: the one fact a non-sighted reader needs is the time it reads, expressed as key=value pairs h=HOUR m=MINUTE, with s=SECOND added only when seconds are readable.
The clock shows h=4 m=50 s=12
